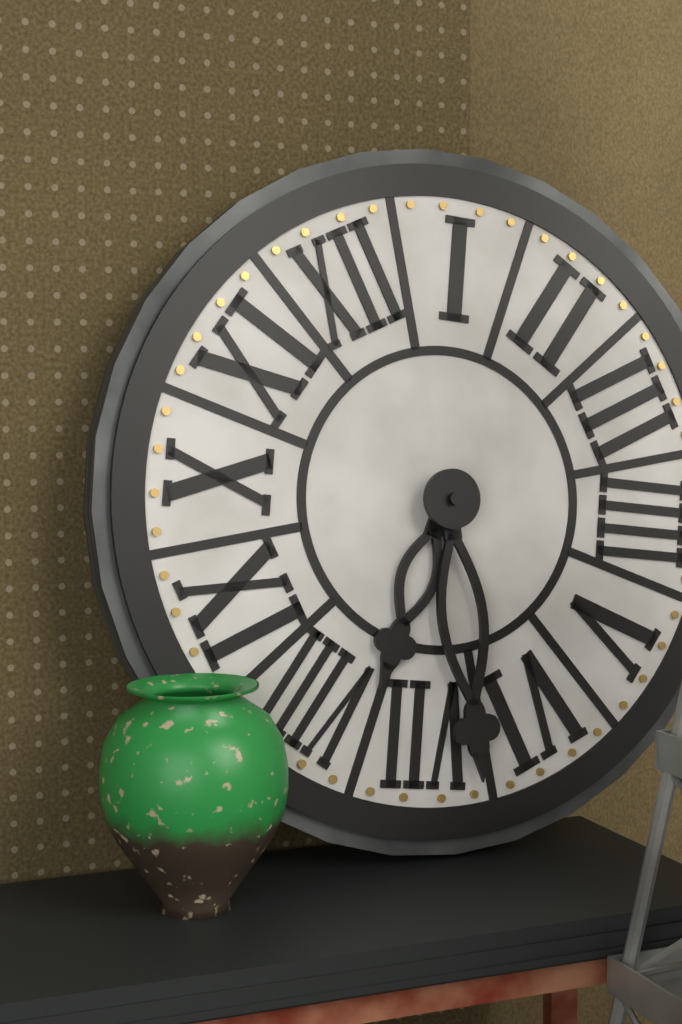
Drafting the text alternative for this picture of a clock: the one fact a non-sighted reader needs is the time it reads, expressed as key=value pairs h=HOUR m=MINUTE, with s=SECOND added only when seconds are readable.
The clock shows h=7 m=33
